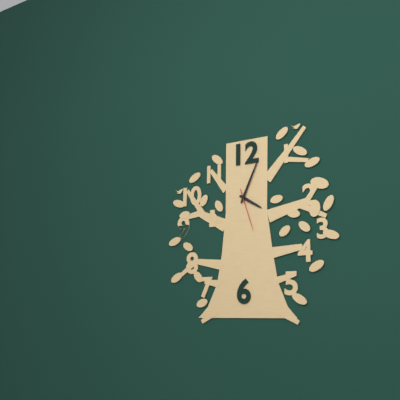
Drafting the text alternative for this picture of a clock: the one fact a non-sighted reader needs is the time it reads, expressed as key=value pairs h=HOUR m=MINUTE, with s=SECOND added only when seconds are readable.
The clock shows h=4 m=4
